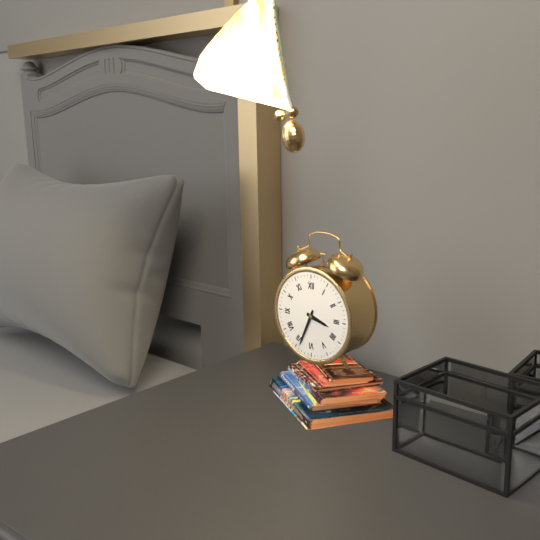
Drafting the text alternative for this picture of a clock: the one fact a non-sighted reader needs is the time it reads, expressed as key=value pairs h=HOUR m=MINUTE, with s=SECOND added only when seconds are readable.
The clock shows h=3 m=34
